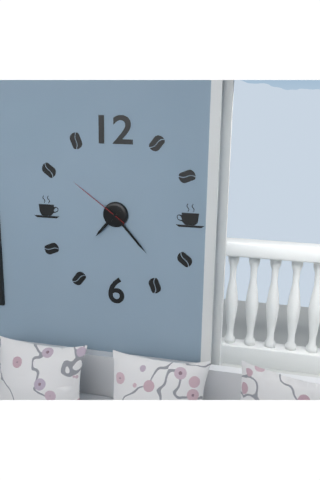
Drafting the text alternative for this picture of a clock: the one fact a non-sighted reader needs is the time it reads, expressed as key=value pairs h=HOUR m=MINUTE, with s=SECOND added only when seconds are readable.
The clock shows h=7 m=23 s=51
